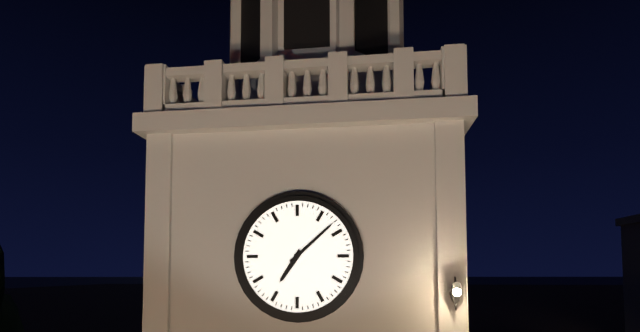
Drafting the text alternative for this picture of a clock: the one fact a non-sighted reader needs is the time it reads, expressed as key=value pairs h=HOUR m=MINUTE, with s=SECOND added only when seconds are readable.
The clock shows h=7 m=8
